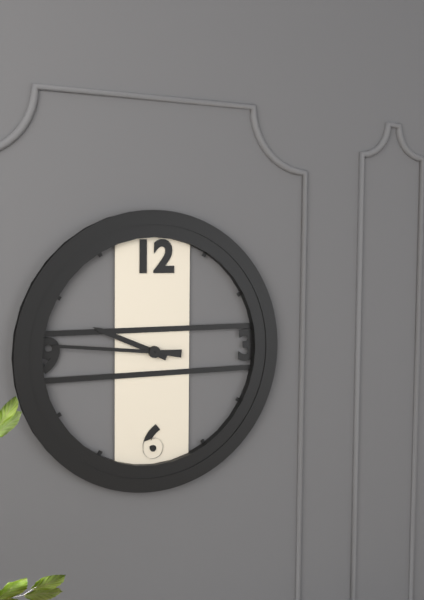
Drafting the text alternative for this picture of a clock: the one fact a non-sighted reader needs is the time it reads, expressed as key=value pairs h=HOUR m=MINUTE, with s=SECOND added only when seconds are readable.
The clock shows h=9 m=46
